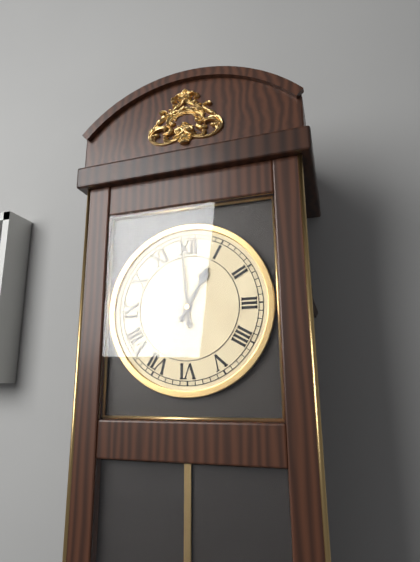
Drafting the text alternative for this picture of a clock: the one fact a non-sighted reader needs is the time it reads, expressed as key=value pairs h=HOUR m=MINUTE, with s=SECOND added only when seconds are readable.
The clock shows h=12 m=59
